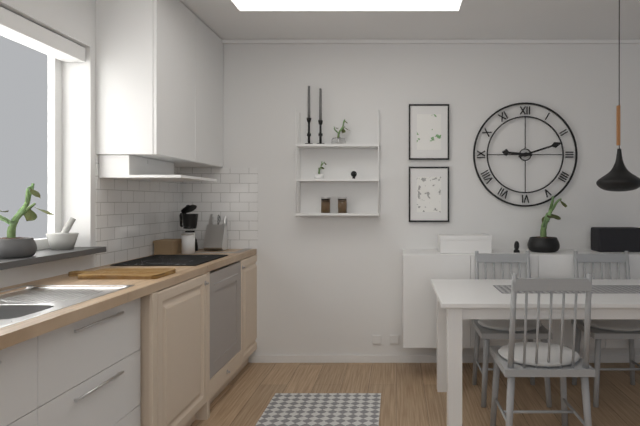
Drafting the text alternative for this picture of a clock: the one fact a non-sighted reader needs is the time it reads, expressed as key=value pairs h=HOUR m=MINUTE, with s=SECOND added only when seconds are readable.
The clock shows h=9 m=12
